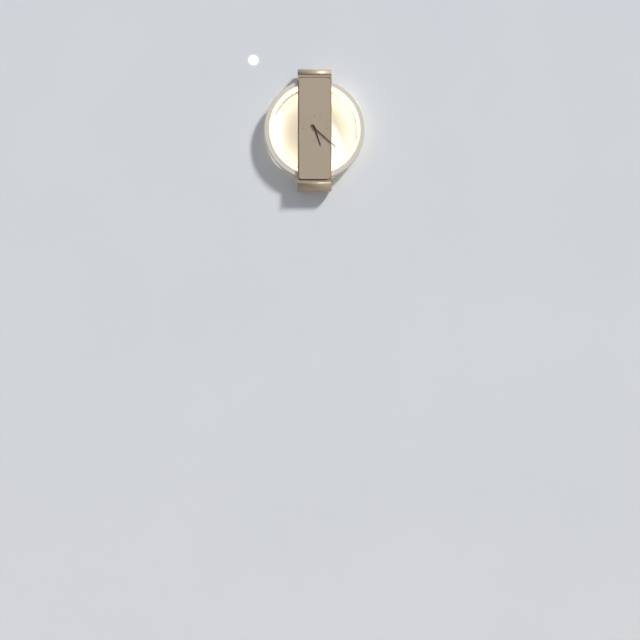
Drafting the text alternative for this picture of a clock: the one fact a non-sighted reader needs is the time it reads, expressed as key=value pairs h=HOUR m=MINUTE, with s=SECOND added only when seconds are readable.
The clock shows h=5 m=22
